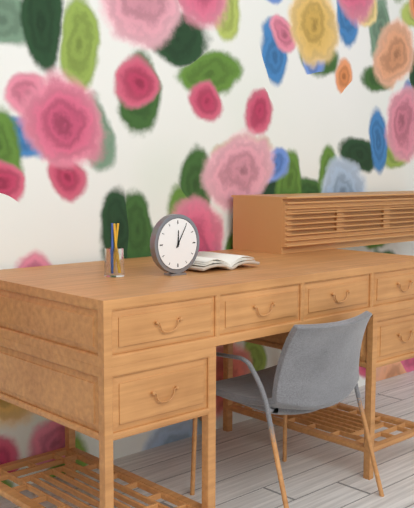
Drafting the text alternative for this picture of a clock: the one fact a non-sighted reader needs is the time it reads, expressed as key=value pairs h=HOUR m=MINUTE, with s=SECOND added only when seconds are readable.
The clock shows h=12 m=5
